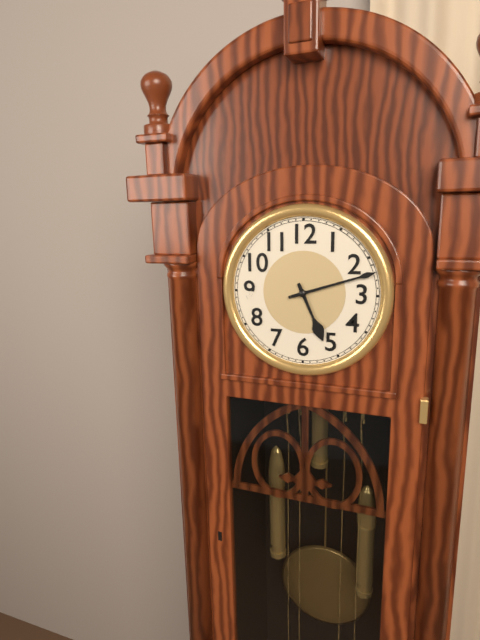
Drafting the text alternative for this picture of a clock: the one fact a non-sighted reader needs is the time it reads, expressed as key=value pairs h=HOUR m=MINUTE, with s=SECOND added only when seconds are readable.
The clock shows h=5 m=12
